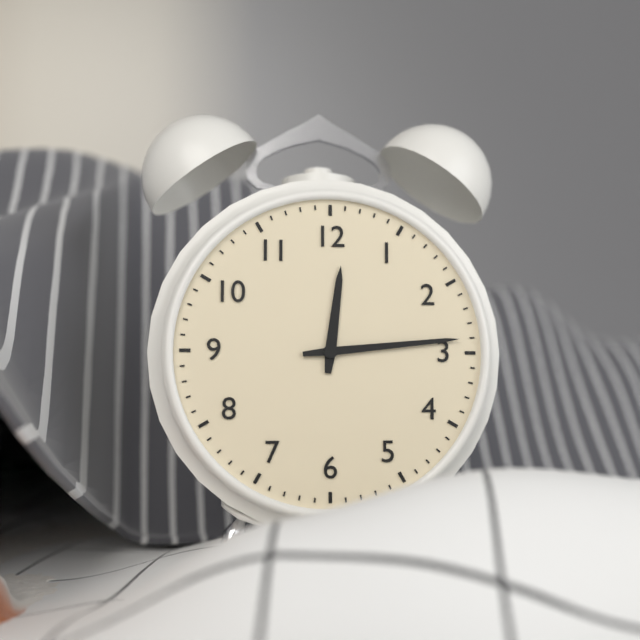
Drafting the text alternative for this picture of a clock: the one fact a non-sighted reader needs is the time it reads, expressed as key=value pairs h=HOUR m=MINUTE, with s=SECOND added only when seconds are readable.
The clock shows h=12 m=14
